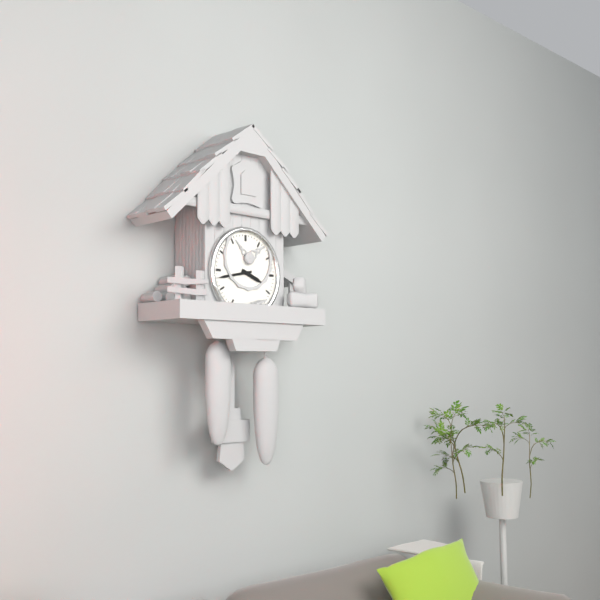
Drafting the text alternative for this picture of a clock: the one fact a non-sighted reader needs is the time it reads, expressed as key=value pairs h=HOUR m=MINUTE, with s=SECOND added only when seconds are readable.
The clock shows h=3 m=43
